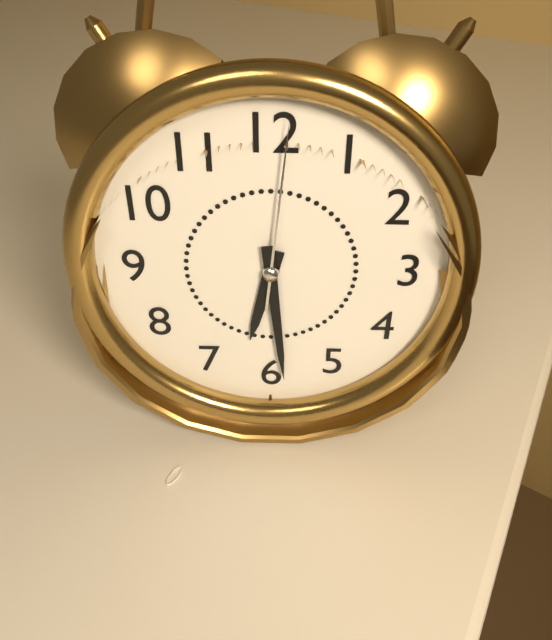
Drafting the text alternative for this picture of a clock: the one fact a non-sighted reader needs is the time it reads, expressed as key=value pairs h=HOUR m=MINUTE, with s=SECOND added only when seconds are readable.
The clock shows h=6 m=29 s=1
